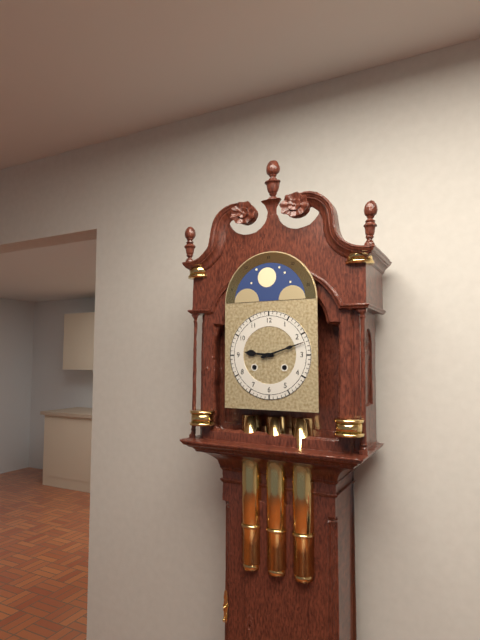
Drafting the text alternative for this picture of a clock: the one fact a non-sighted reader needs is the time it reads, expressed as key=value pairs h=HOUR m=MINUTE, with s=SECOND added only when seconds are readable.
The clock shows h=9 m=12
